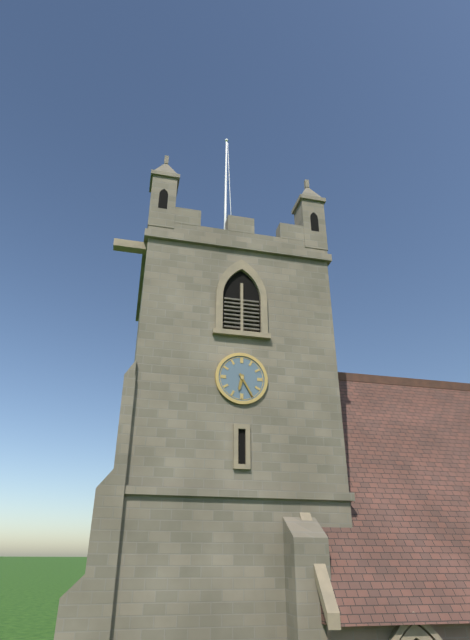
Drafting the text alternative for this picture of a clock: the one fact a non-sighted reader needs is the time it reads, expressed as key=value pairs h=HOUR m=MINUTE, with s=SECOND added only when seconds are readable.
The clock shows h=6 m=25
